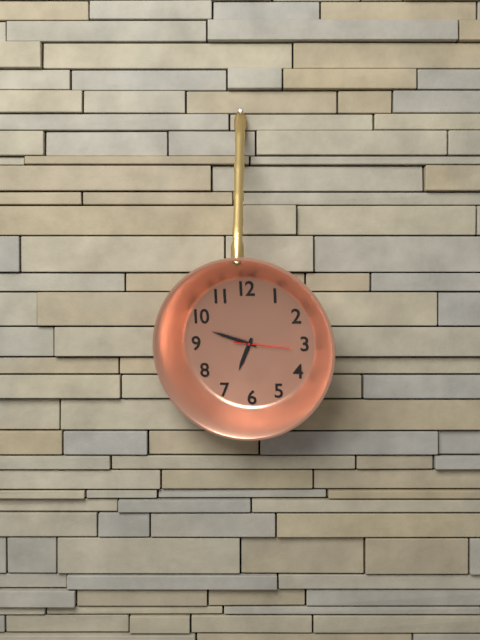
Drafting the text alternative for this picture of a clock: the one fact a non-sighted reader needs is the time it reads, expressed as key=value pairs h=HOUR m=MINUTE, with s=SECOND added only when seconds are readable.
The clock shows h=6 m=48 s=16
